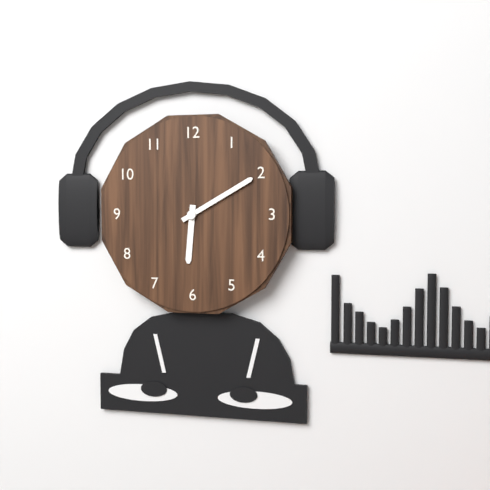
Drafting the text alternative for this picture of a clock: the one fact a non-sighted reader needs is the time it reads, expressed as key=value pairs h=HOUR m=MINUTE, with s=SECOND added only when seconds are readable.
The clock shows h=6 m=10
